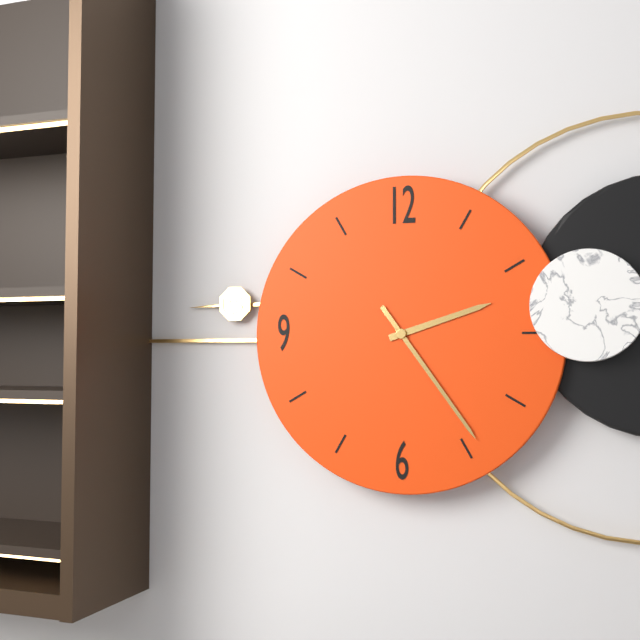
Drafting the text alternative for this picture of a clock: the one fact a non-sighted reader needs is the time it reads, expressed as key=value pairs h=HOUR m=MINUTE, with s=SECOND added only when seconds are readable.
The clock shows h=2 m=24
